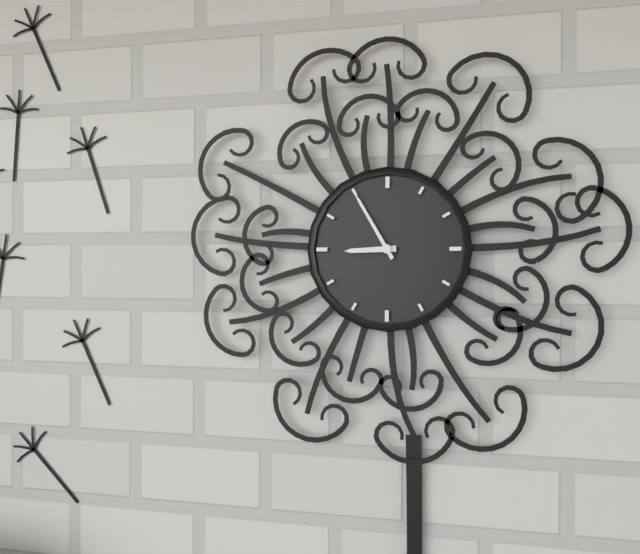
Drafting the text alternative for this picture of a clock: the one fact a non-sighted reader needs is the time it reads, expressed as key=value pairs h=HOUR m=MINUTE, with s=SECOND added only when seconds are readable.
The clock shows h=8 m=55
